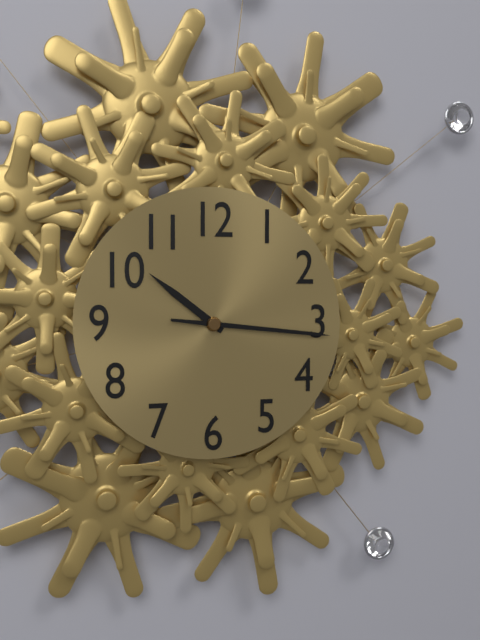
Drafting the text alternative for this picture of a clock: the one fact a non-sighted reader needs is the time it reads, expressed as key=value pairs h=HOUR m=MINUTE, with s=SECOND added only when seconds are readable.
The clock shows h=10 m=16
